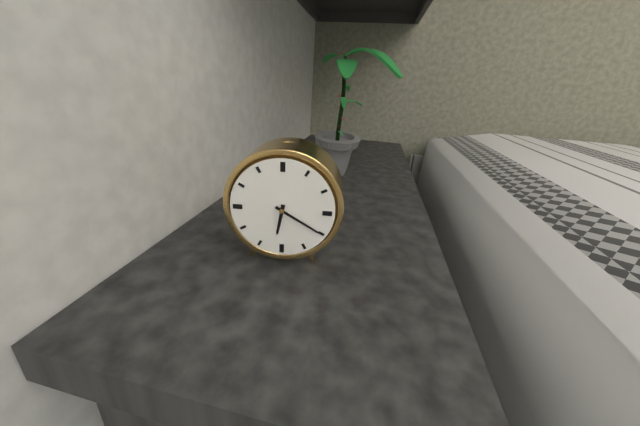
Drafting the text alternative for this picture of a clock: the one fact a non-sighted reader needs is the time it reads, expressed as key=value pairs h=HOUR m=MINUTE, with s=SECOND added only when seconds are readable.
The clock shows h=6 m=20
